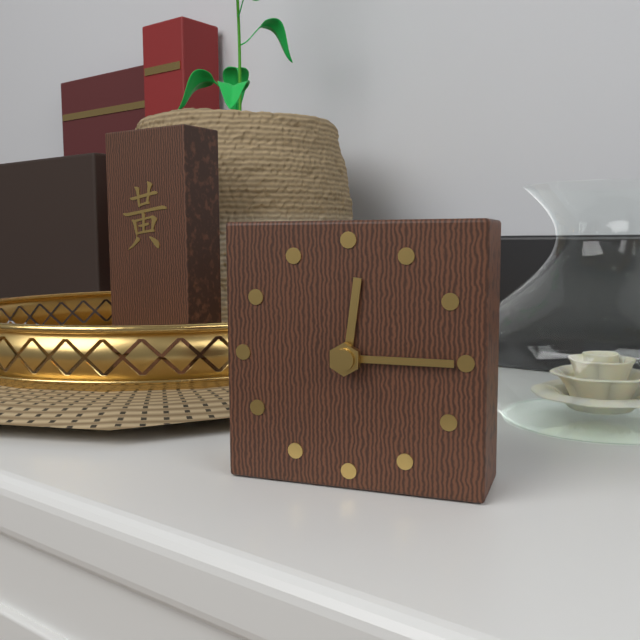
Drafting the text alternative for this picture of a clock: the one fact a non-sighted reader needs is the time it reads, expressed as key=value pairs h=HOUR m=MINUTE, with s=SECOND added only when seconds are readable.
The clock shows h=12 m=15
